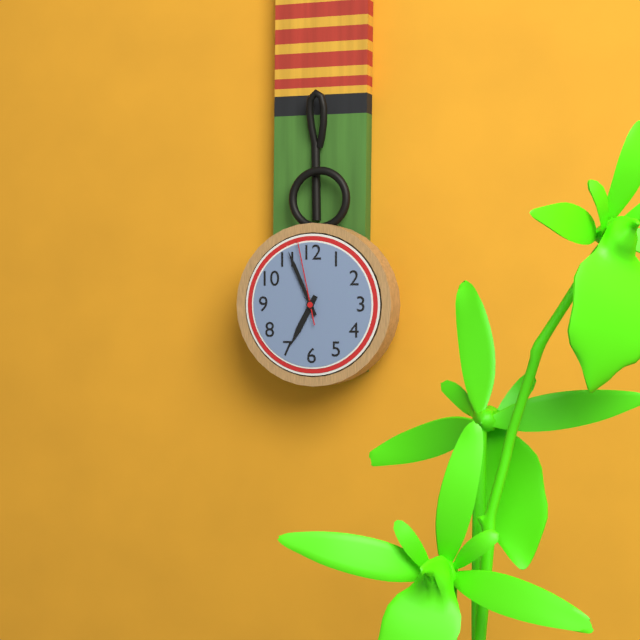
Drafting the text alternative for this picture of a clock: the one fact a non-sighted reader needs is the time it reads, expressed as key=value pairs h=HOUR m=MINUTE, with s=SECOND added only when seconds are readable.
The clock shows h=6 m=56 s=58
